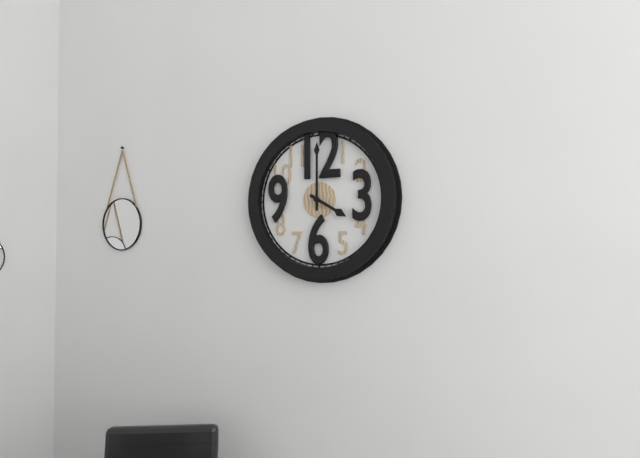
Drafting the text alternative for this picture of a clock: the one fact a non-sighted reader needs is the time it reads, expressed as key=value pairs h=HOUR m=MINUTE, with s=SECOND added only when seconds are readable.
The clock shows h=4 m=0
